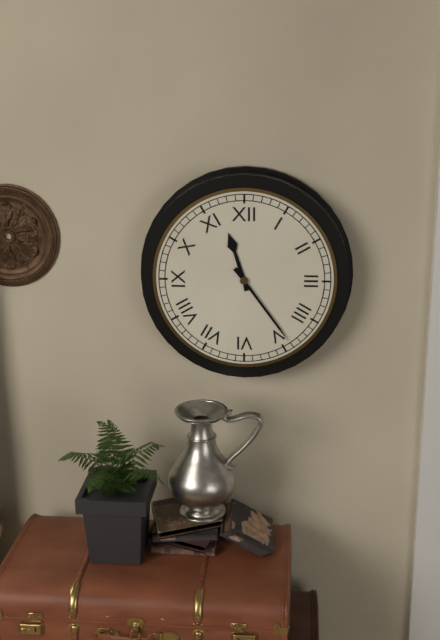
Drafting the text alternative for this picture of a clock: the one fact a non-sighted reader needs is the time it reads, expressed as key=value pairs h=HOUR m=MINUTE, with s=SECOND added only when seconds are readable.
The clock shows h=11 m=24
